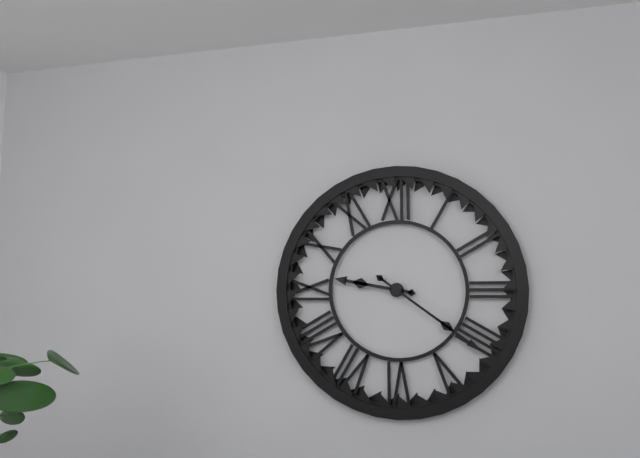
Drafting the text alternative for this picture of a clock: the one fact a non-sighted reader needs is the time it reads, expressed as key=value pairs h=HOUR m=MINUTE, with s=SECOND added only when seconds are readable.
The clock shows h=9 m=21
